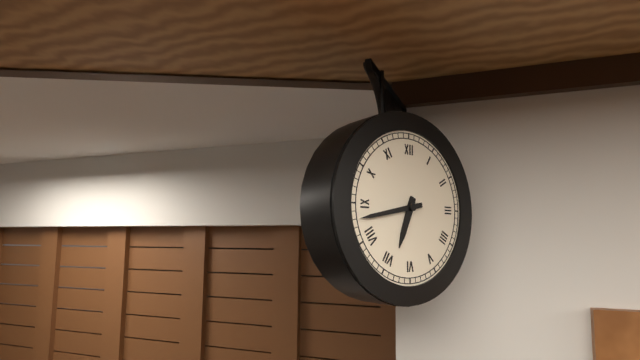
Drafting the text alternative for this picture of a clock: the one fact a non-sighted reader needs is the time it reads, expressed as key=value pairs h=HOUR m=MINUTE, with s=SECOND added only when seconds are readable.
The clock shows h=6 m=43
